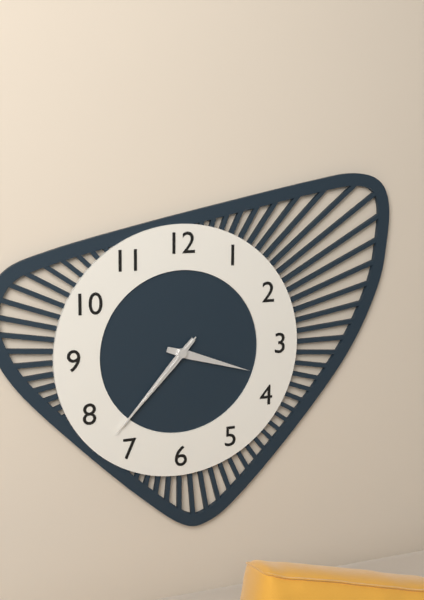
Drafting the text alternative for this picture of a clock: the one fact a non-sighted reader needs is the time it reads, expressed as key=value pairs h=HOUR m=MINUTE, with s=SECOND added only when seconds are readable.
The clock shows h=3 m=37 s=37
